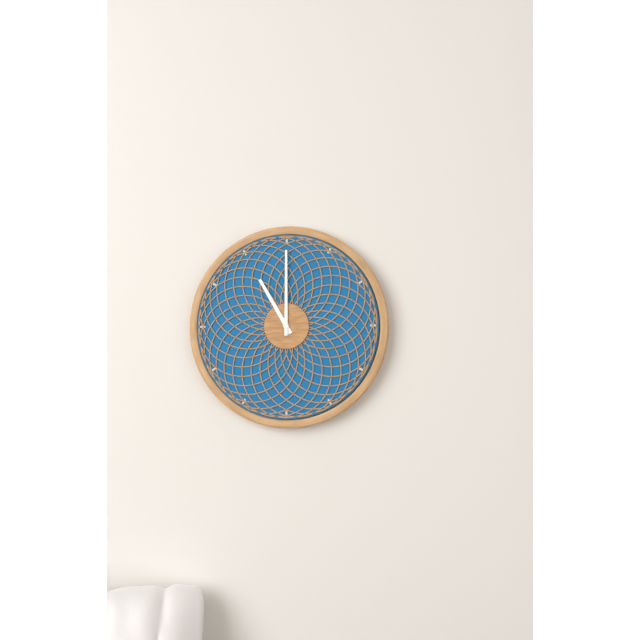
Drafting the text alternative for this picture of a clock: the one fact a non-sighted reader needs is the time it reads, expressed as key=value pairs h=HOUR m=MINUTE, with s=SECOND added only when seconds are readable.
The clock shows h=11 m=0
